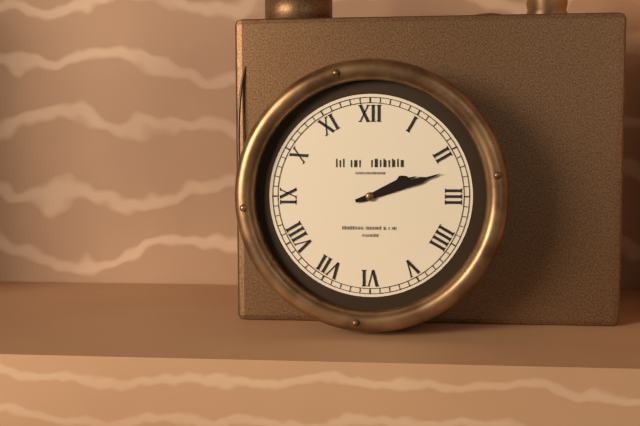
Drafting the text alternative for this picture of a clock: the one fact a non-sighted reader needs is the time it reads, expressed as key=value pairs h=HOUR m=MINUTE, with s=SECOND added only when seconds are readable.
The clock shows h=2 m=12
